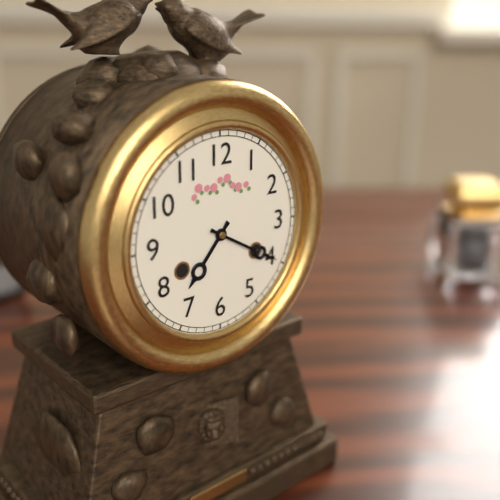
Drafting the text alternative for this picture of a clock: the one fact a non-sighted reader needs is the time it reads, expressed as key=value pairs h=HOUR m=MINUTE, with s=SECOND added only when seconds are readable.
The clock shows h=7 m=20
